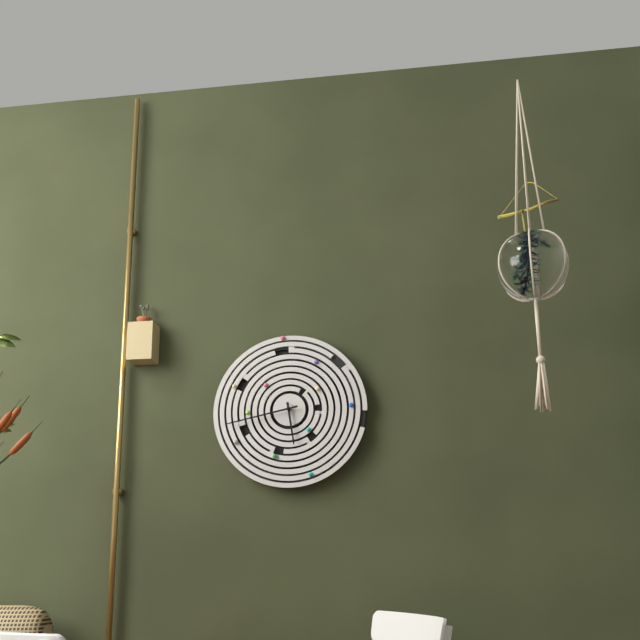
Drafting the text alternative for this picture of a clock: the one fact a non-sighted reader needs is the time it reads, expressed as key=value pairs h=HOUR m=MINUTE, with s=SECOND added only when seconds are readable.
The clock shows h=5 m=43
